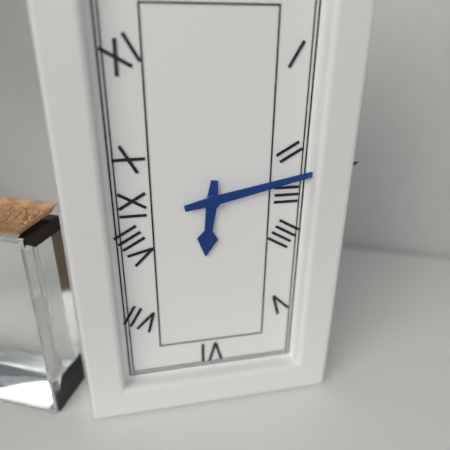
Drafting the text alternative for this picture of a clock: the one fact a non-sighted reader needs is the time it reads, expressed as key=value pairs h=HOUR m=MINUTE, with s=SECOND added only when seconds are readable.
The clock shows h=6 m=13
